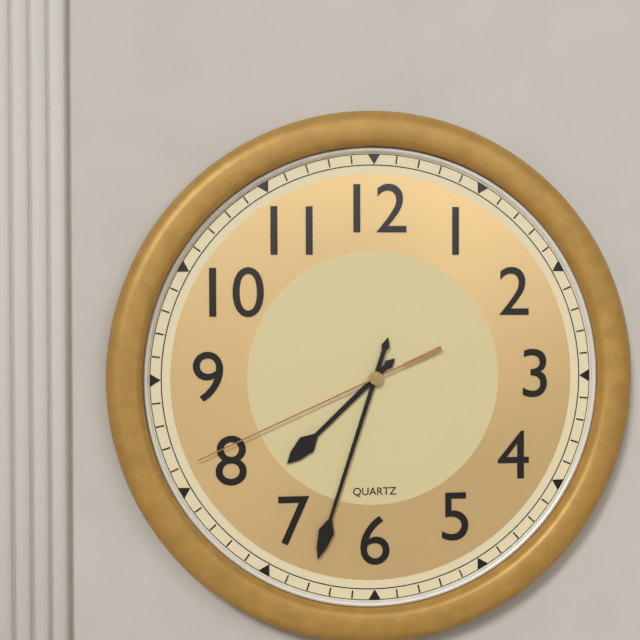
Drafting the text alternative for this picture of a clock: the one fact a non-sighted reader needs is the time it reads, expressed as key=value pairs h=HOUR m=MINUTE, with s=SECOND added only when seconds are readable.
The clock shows h=7 m=33 s=41
